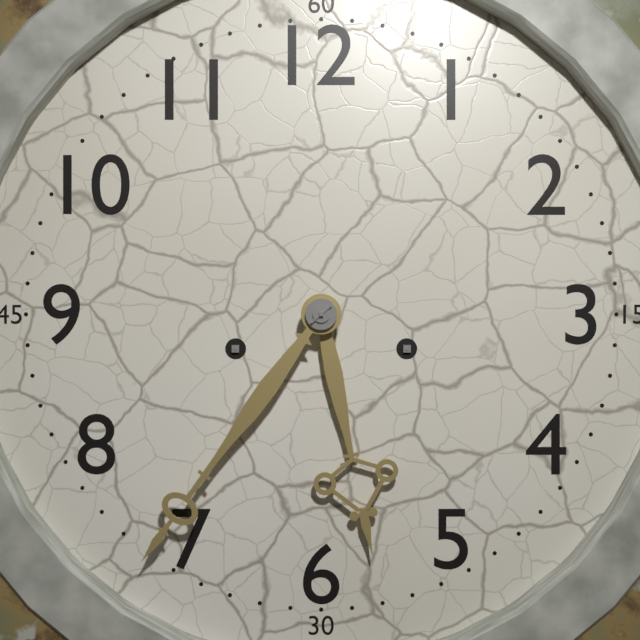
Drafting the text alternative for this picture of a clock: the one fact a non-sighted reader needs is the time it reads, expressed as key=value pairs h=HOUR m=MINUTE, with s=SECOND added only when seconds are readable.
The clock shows h=5 m=36
